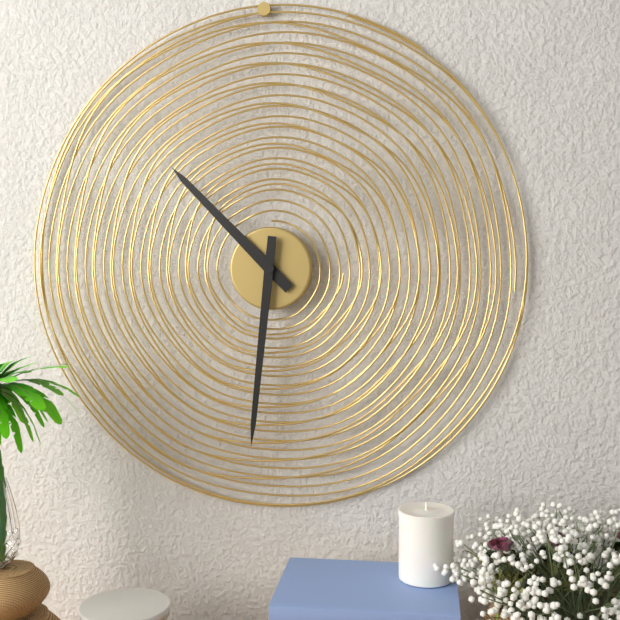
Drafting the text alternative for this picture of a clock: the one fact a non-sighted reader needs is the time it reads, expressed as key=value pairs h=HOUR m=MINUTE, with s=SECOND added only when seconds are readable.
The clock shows h=10 m=31
